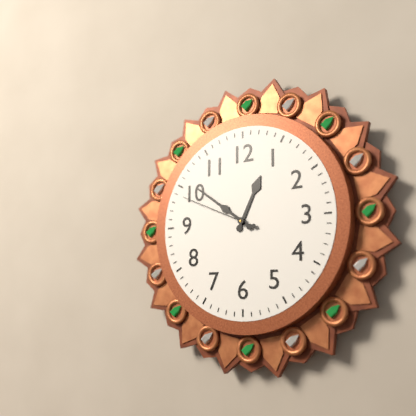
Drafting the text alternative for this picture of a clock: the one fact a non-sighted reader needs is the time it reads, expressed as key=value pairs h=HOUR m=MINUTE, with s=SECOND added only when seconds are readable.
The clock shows h=12 m=51 s=49
